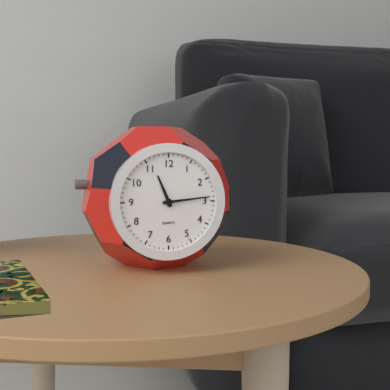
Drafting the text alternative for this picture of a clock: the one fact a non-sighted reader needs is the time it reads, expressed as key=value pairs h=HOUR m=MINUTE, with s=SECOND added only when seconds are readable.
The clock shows h=11 m=14
